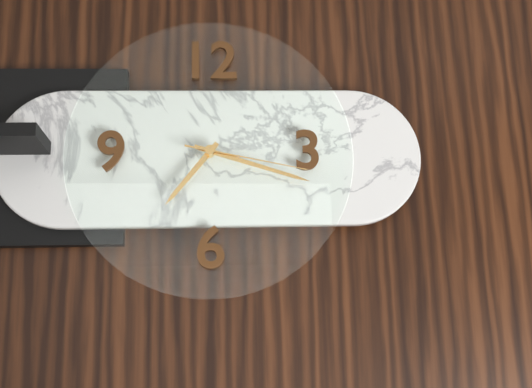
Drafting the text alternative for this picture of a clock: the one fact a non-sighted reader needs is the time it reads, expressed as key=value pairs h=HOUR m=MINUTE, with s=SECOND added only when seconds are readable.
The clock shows h=7 m=18 s=17
